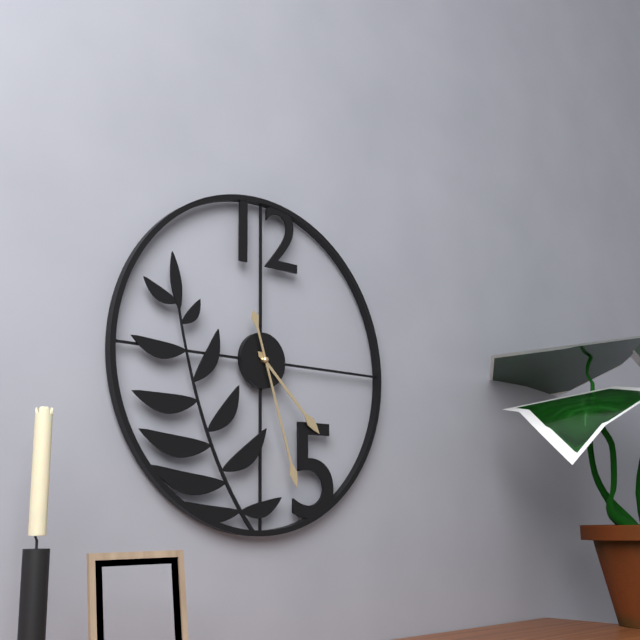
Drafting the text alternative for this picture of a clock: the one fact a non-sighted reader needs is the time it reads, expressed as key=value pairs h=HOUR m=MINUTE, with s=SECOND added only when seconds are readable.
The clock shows h=4 m=27
